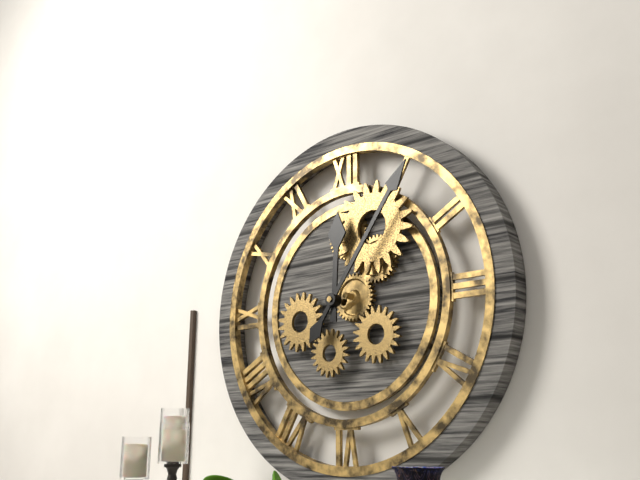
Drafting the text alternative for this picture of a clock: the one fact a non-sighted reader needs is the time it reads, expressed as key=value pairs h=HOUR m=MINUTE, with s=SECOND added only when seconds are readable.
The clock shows h=12 m=6
